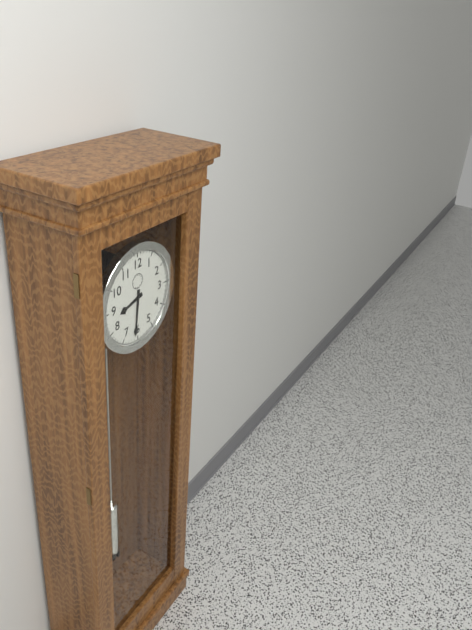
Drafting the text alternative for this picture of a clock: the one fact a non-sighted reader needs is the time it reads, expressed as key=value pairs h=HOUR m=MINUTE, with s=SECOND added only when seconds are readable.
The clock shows h=8 m=31
